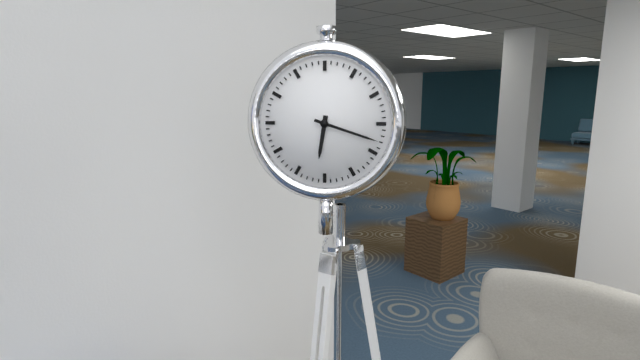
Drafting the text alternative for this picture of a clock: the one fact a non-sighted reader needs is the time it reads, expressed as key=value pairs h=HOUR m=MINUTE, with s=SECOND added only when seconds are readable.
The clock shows h=6 m=18
